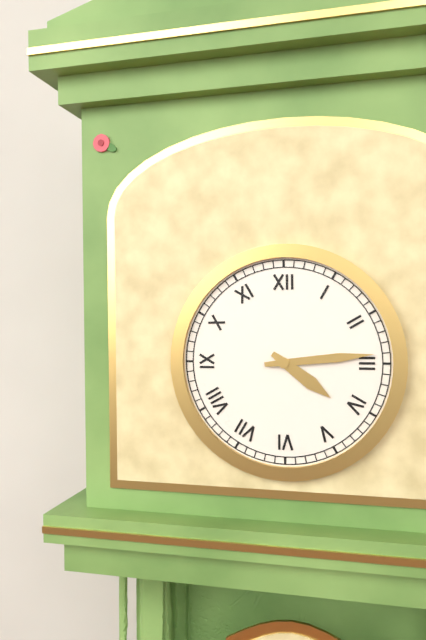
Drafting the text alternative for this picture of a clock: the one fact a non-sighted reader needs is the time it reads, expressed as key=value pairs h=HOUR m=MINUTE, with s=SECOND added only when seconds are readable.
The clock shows h=4 m=14
